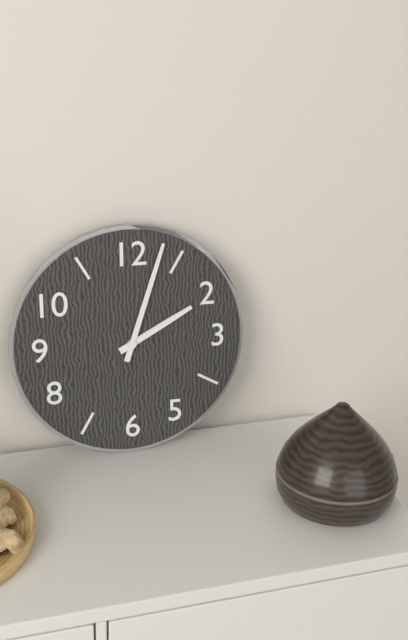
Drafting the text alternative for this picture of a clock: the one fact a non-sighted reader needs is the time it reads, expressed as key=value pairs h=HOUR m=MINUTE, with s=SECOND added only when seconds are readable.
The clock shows h=2 m=3
